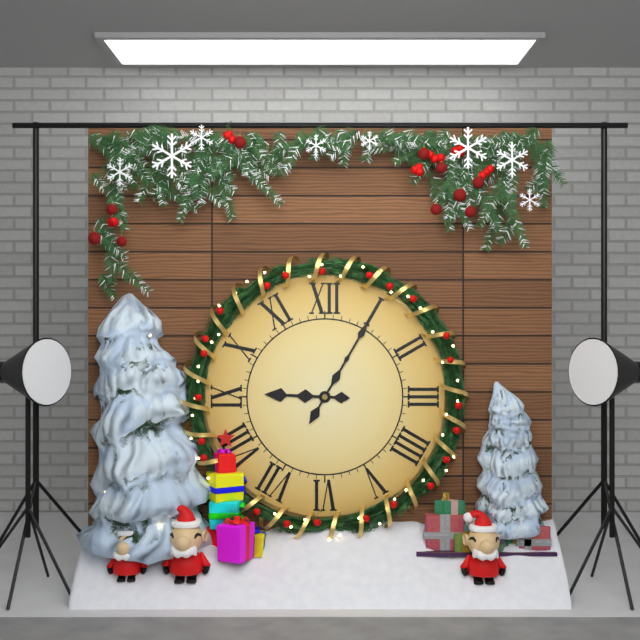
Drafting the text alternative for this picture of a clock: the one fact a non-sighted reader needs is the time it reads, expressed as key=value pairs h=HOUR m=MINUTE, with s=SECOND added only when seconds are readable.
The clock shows h=9 m=5
